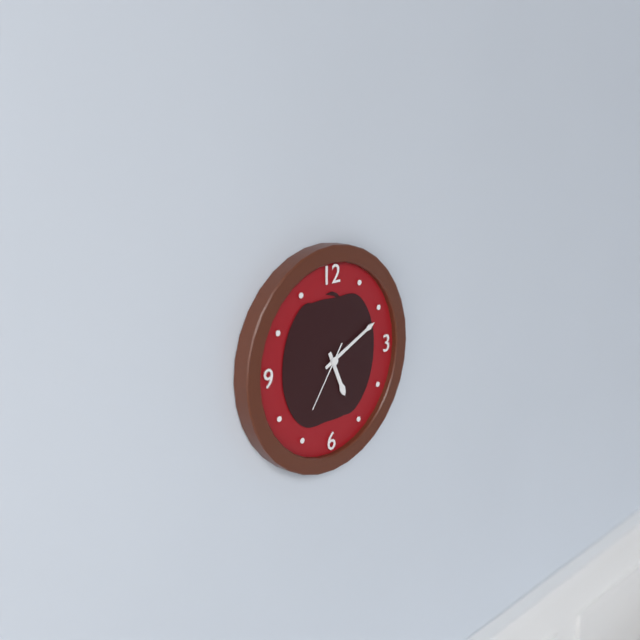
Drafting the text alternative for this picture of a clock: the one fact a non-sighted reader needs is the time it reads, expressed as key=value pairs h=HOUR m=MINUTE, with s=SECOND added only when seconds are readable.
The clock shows h=5 m=11 s=36
